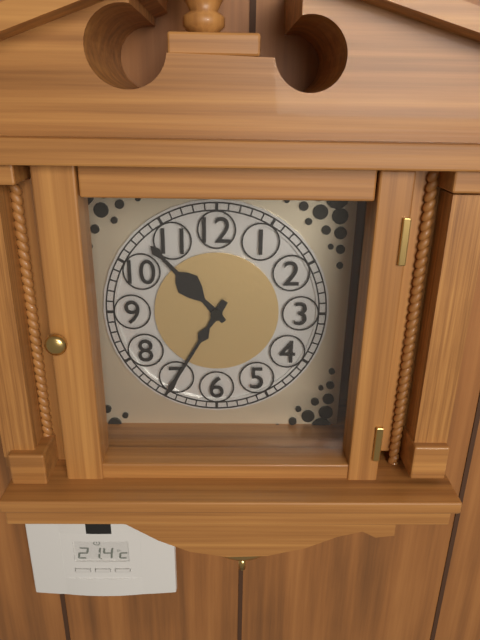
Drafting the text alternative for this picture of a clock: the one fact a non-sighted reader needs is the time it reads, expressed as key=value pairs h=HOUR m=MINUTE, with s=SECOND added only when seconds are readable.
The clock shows h=10 m=35
